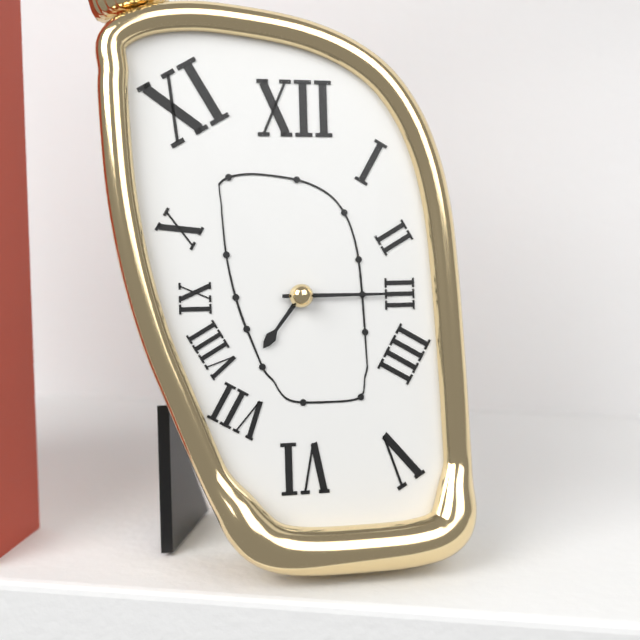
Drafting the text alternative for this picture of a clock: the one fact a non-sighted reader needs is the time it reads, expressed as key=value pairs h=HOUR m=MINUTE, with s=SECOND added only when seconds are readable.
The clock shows h=7 m=15
